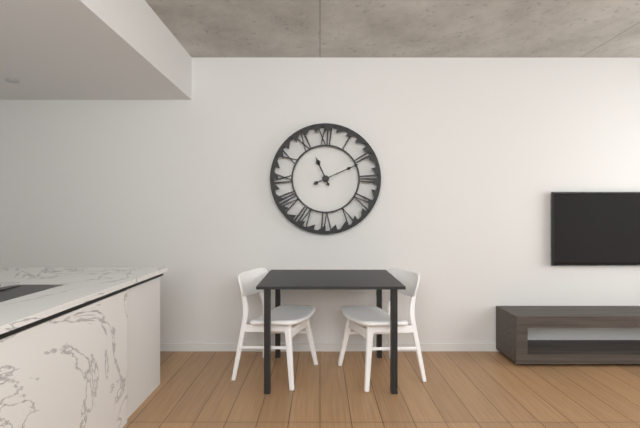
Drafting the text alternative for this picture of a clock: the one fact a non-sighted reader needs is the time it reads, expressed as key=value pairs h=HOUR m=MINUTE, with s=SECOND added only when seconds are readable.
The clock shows h=11 m=11
